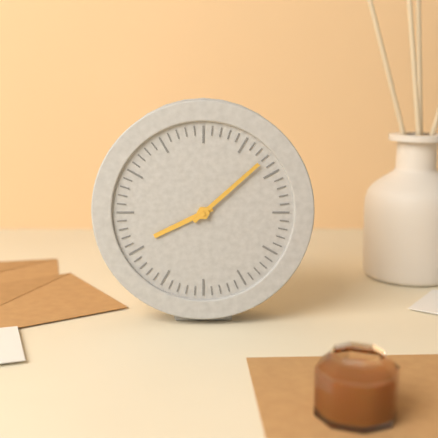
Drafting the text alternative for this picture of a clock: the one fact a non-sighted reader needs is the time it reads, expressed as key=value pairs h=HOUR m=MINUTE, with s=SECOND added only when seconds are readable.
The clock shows h=8 m=8
